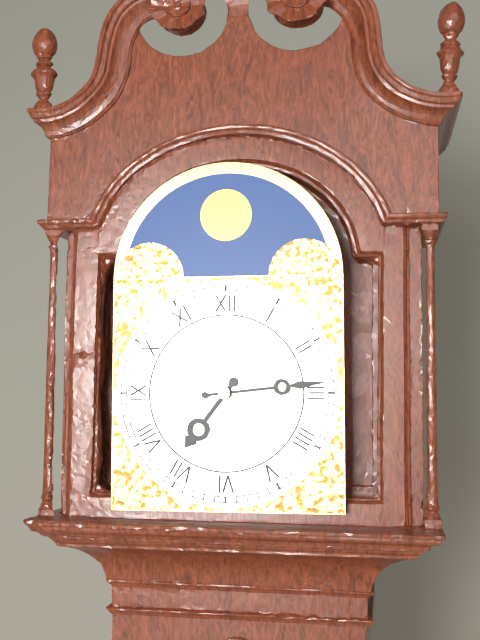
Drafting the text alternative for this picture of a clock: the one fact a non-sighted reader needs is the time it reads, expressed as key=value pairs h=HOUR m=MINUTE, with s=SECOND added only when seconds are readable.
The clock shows h=7 m=14
